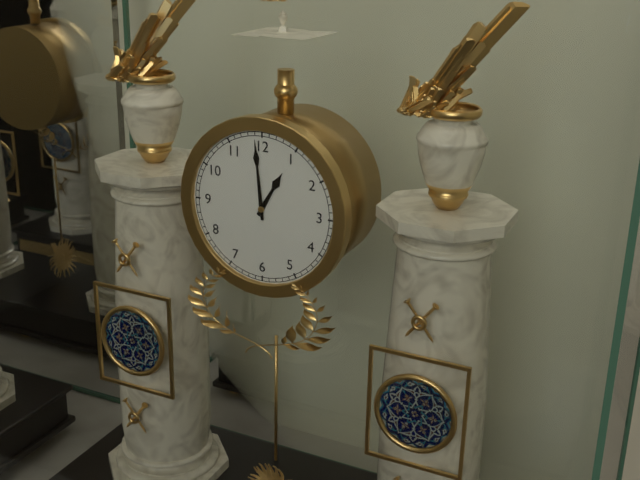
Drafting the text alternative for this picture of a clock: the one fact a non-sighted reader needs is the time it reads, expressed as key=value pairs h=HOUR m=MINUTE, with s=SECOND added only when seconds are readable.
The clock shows h=12 m=59
